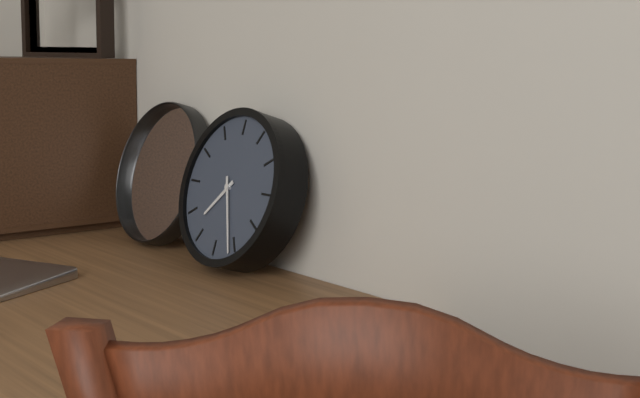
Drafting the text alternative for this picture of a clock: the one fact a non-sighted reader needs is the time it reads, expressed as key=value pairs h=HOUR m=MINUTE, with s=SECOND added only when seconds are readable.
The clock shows h=7 m=26
